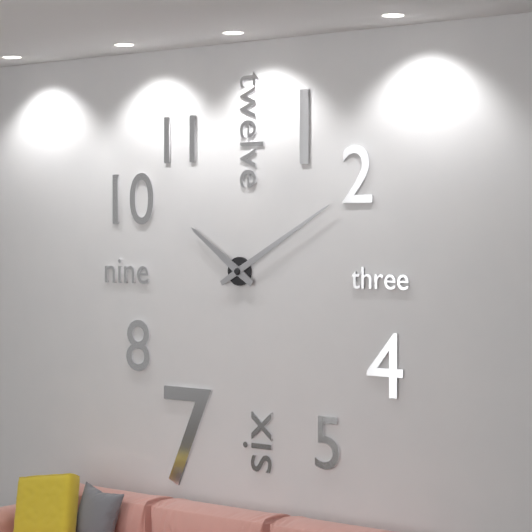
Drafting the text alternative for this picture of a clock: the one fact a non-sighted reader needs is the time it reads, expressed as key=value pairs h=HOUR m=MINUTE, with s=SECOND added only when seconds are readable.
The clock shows h=10 m=10
